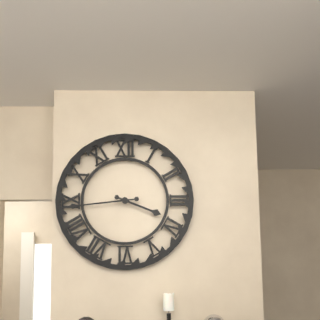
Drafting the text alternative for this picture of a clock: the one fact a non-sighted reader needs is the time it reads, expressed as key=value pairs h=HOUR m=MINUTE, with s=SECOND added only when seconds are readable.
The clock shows h=3 m=44
